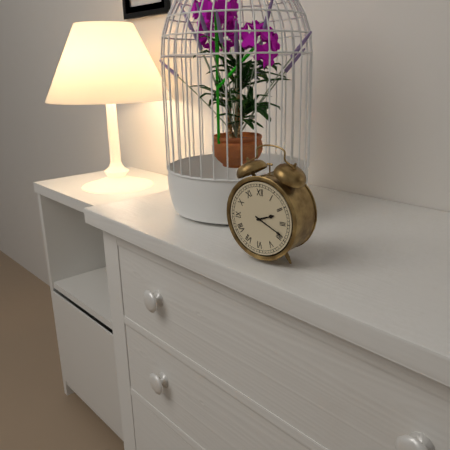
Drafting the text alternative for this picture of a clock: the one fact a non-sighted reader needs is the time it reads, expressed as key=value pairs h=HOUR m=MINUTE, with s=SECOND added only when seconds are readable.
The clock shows h=2 m=19
